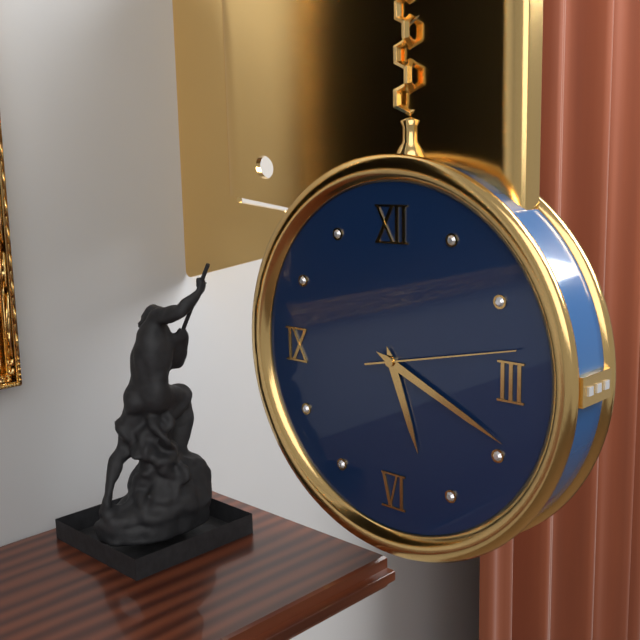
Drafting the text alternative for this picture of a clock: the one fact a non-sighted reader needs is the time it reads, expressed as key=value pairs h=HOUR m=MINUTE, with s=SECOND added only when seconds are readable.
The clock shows h=5 m=19 s=13
